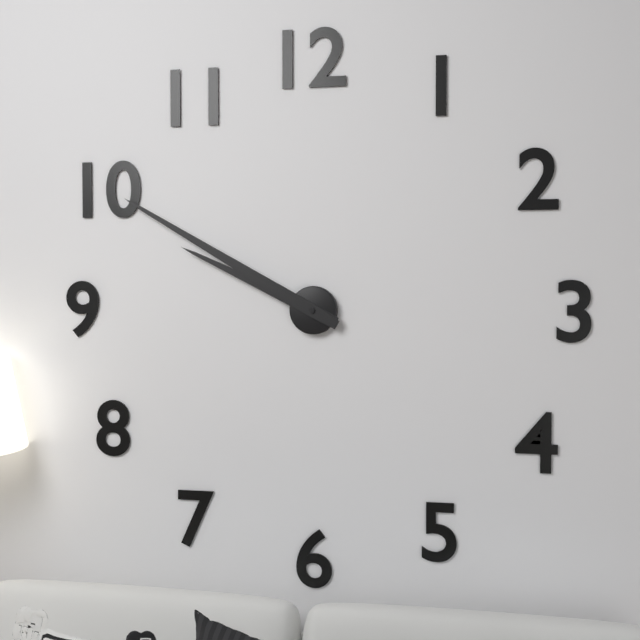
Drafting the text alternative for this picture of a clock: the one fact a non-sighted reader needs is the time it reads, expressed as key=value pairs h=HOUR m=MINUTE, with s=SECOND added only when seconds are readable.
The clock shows h=9 m=50
